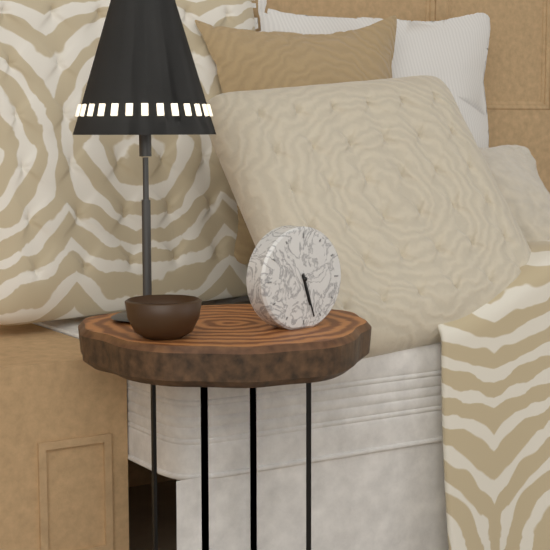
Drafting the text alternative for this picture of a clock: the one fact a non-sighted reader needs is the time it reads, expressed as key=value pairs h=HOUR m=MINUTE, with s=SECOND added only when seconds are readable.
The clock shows h=5 m=27
